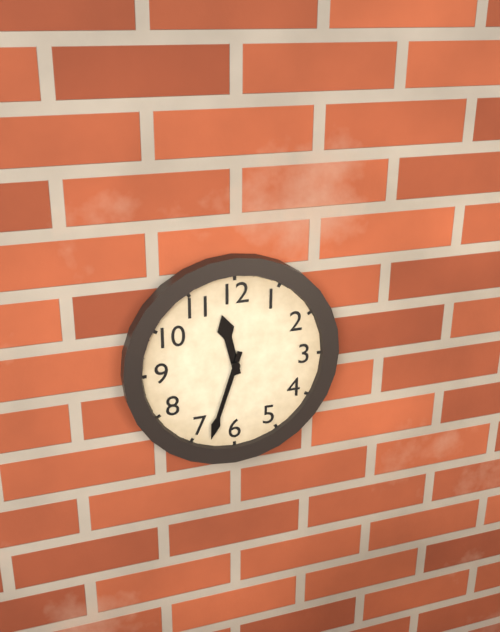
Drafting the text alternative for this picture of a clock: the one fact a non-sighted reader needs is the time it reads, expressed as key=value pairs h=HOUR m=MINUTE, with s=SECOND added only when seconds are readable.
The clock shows h=11 m=33
